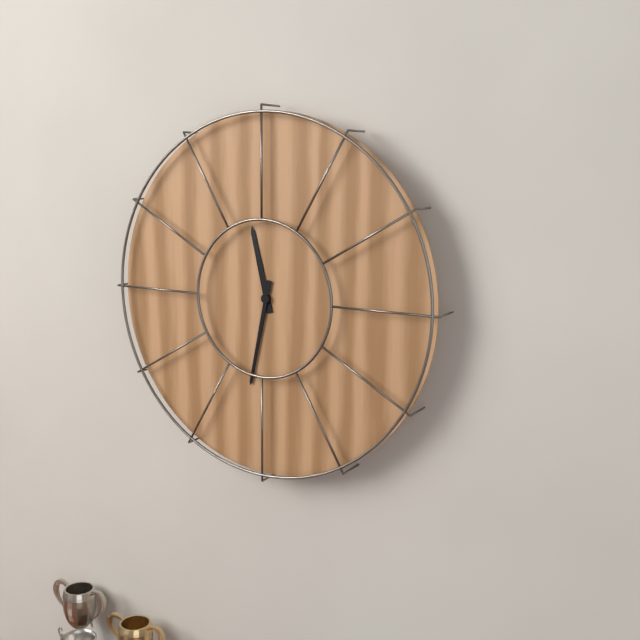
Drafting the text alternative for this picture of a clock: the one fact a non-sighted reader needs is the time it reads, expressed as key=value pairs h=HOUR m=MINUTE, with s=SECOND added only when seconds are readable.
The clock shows h=11 m=32
